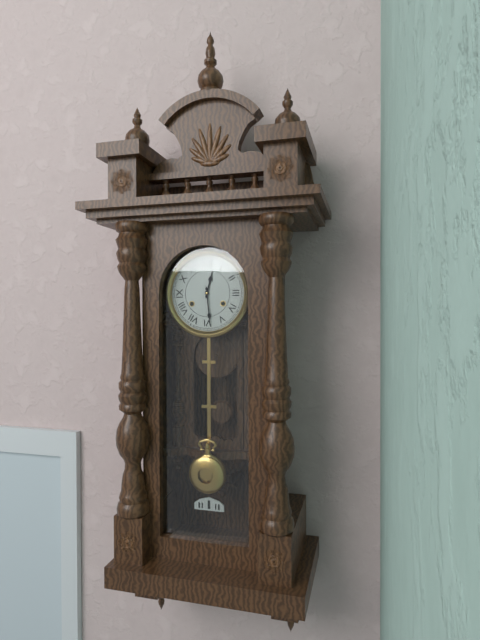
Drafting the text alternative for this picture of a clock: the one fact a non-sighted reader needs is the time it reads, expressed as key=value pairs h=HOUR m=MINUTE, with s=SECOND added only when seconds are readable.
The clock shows h=12 m=29
